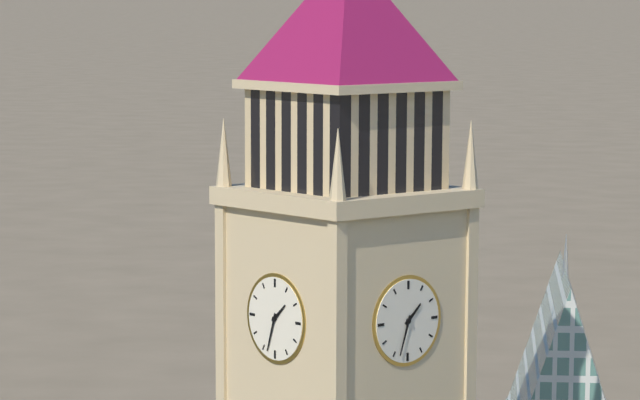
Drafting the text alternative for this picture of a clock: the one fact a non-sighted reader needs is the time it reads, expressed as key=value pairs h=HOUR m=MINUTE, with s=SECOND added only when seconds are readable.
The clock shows h=1 m=33
